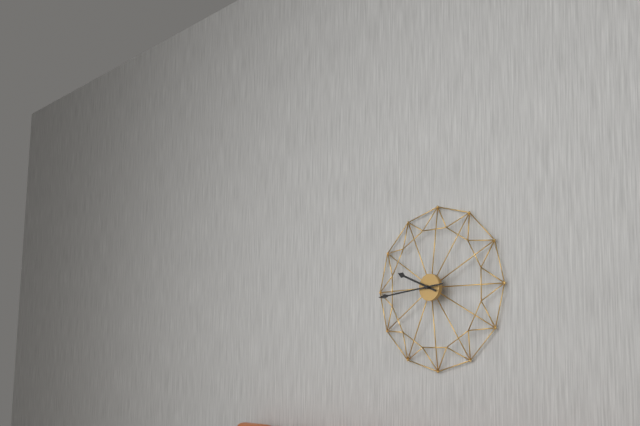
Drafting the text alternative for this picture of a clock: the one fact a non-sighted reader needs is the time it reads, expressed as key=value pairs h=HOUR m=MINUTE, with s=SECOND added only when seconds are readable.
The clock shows h=9 m=44
